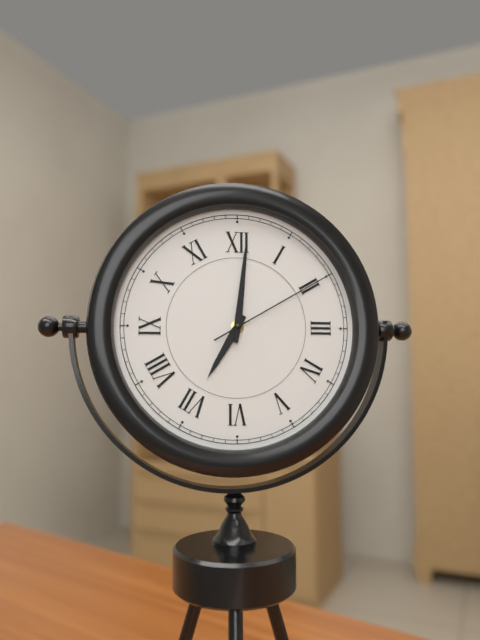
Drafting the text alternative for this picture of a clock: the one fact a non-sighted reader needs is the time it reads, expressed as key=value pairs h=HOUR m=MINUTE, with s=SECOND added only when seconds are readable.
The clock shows h=7 m=1 s=10
